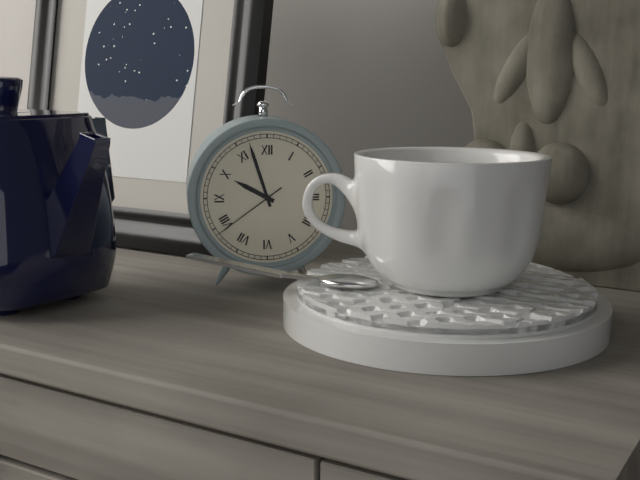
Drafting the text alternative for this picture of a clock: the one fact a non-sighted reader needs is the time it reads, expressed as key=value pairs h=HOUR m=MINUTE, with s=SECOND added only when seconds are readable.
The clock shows h=9 m=57 s=39
